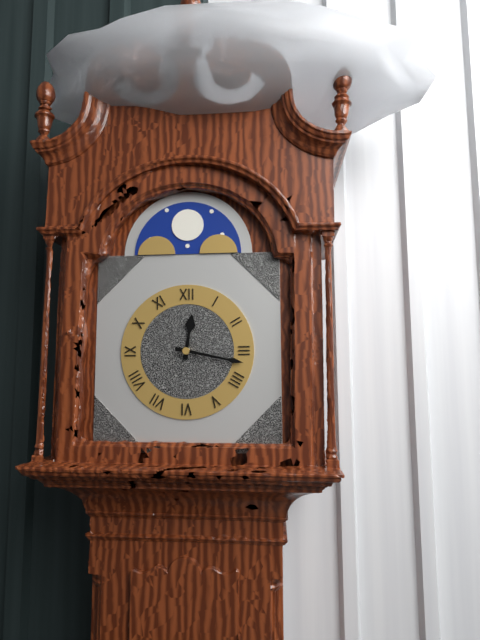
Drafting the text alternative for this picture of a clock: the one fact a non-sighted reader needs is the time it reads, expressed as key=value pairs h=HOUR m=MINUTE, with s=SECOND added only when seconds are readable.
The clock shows h=12 m=17
